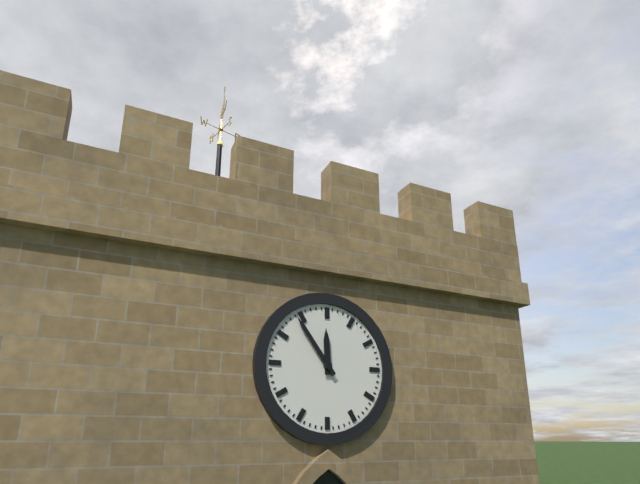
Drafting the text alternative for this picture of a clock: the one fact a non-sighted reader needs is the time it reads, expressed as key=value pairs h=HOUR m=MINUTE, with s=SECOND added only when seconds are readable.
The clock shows h=11 m=54
